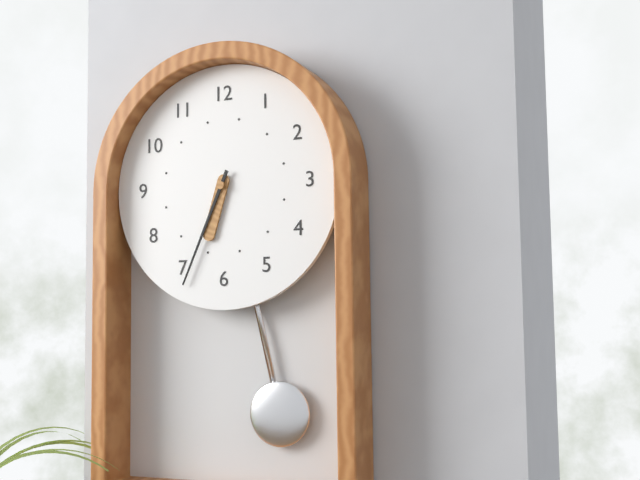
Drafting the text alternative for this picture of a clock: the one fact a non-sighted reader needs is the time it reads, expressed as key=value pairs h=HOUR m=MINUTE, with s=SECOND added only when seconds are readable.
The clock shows h=6 m=34
